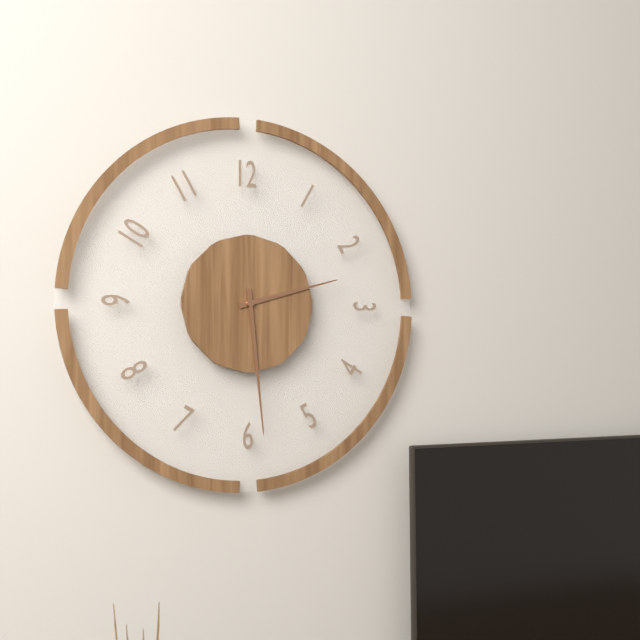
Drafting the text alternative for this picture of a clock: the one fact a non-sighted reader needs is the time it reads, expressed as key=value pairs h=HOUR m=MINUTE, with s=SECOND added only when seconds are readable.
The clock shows h=2 m=29
